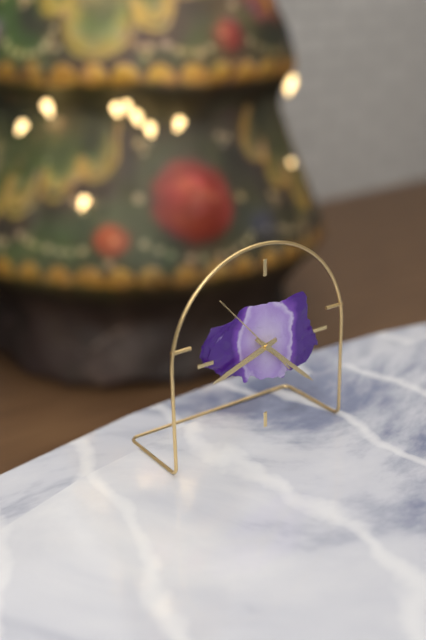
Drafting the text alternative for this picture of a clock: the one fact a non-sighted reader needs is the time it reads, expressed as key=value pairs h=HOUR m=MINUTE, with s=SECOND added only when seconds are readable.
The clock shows h=8 m=22 s=53
